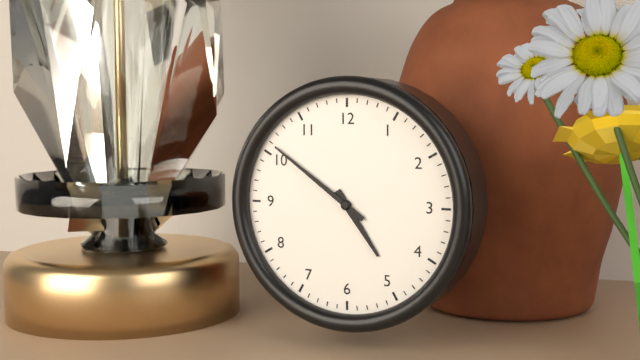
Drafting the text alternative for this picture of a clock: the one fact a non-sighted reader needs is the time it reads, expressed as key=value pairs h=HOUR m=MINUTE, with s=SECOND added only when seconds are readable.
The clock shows h=4 m=51
